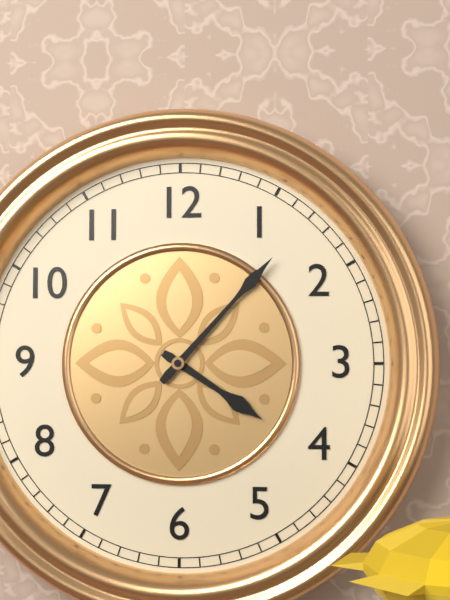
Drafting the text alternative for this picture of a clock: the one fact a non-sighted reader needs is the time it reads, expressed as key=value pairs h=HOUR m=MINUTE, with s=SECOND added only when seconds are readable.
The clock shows h=4 m=7
